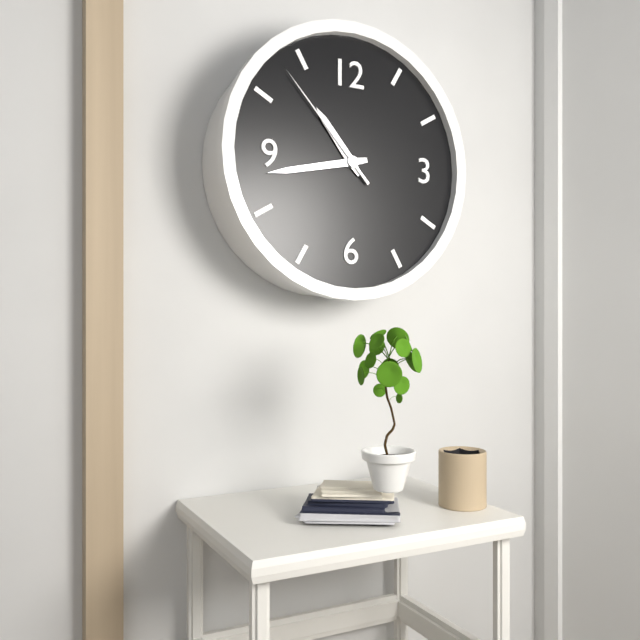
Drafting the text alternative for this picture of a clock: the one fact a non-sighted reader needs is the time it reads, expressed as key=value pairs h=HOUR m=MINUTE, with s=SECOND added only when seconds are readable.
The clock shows h=10 m=43 s=53
